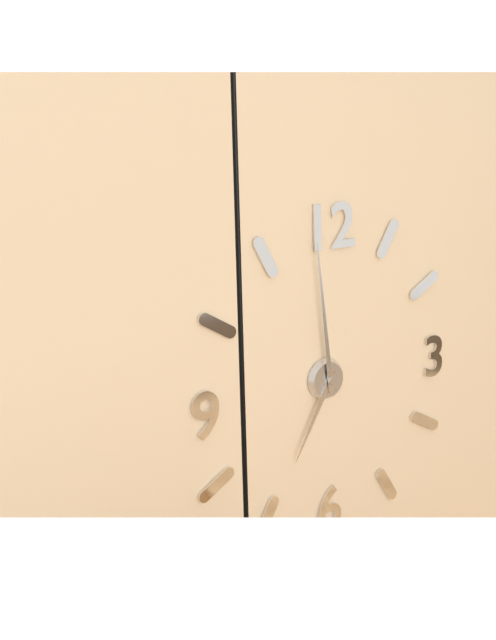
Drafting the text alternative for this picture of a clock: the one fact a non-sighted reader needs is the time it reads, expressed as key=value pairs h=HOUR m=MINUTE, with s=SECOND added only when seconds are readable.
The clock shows h=6 m=59
